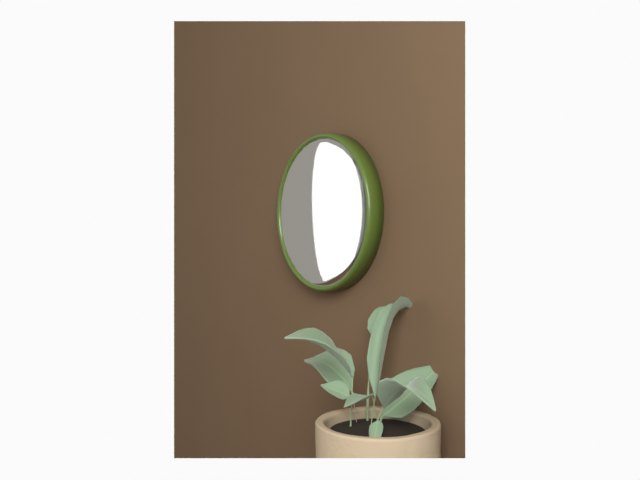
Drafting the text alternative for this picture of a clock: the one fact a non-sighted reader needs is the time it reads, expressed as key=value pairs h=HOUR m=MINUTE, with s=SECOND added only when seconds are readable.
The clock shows h=8 m=22
